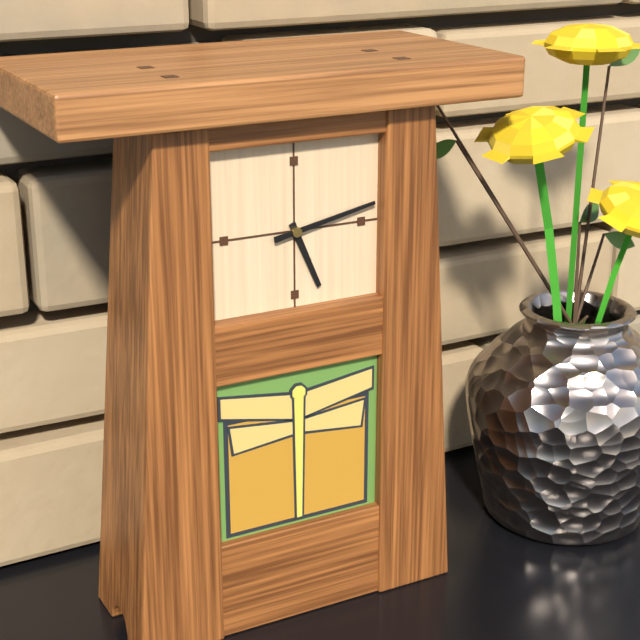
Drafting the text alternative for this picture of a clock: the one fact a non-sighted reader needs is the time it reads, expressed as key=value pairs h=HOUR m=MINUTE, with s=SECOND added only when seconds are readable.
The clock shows h=5 m=13
